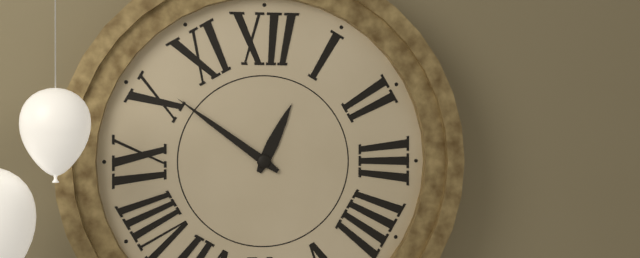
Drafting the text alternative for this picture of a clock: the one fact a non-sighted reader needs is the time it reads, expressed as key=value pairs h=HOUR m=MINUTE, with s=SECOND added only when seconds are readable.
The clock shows h=12 m=51
